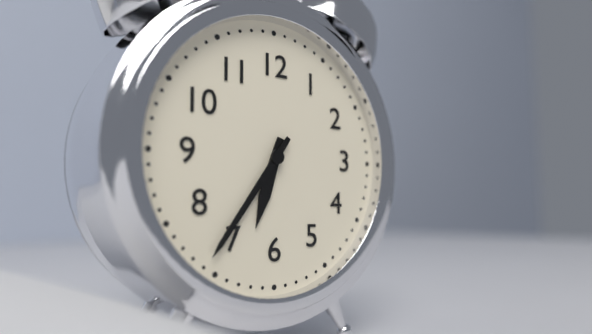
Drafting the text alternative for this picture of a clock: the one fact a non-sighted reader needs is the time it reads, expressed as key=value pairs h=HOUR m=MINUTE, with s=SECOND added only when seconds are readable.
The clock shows h=6 m=36
